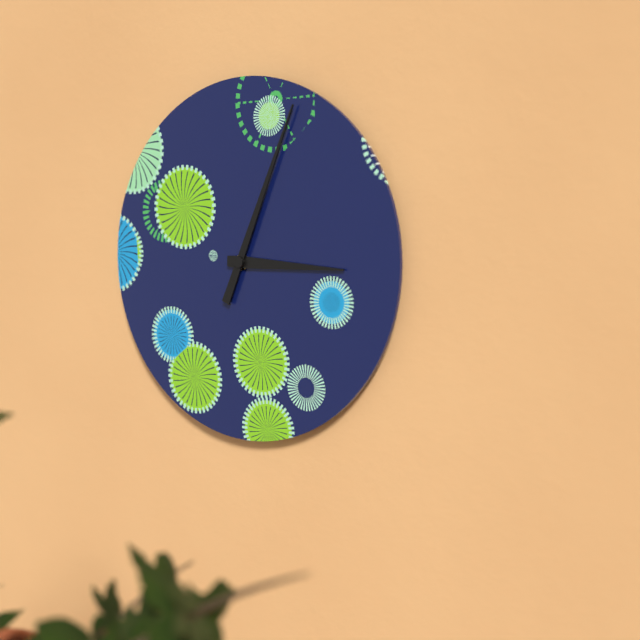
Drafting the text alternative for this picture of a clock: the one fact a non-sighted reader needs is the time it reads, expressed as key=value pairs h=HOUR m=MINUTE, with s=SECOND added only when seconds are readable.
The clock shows h=3 m=4
